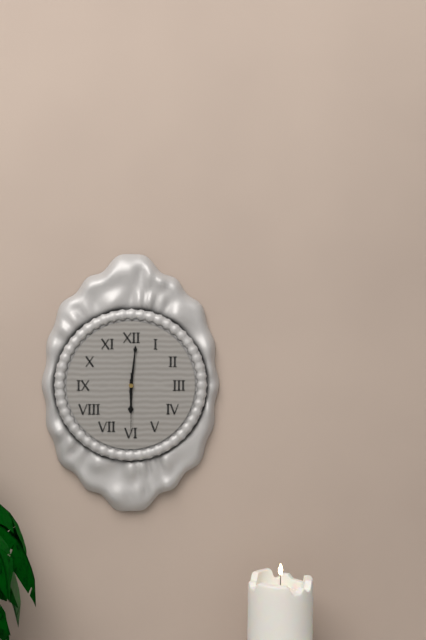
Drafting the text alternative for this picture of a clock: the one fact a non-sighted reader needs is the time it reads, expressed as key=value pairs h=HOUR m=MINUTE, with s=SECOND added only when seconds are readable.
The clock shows h=6 m=1 s=30
